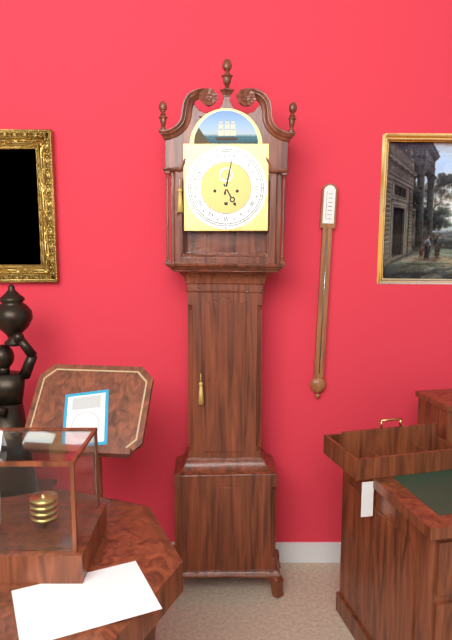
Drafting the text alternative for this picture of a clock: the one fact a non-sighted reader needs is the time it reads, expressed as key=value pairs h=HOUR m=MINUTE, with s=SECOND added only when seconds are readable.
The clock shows h=5 m=2
